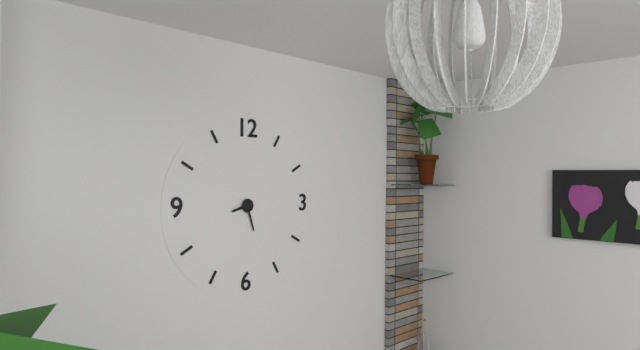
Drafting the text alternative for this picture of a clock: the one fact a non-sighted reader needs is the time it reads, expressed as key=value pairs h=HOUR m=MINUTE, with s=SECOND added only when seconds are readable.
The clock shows h=8 m=27
